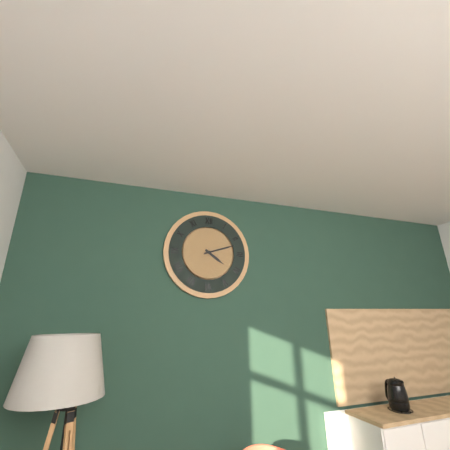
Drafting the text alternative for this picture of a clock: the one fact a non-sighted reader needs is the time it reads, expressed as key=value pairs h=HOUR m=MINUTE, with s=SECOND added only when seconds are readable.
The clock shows h=4 m=12
